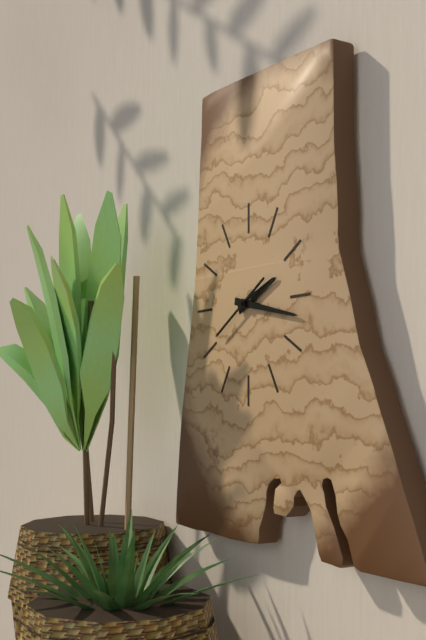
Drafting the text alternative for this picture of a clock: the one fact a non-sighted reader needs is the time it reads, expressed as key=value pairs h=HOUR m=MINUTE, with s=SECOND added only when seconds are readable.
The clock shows h=2 m=17 s=40
